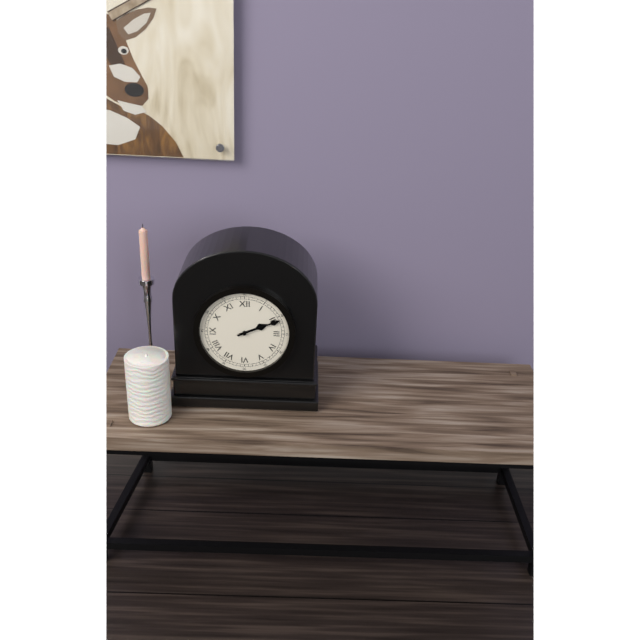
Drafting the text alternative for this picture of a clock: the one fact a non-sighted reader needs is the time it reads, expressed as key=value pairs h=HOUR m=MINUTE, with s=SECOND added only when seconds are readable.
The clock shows h=2 m=11
